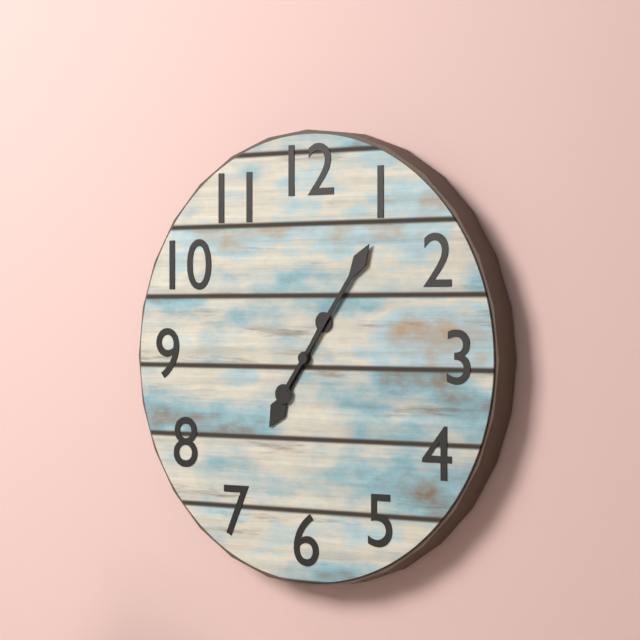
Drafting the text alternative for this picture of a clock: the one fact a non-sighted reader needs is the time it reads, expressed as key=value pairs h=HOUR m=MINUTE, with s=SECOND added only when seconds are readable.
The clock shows h=7 m=6
